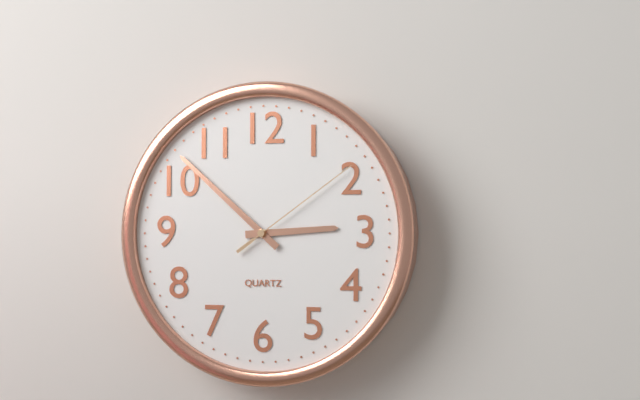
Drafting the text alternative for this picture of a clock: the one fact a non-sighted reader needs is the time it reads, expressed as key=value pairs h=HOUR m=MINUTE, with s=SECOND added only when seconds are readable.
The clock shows h=2 m=52 s=9
